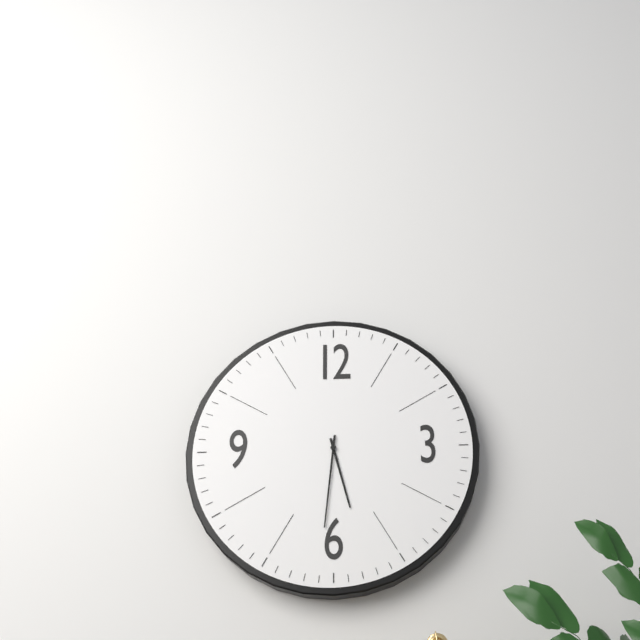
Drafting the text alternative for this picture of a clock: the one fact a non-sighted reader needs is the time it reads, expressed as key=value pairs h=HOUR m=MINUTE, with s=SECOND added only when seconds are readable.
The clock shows h=5 m=31
